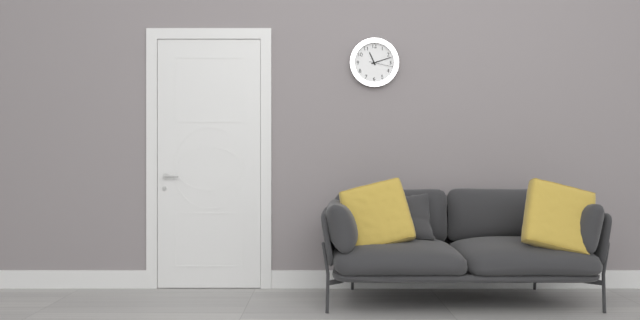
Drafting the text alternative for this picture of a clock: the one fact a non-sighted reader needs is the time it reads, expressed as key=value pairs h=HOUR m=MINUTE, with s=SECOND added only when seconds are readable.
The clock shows h=11 m=12
